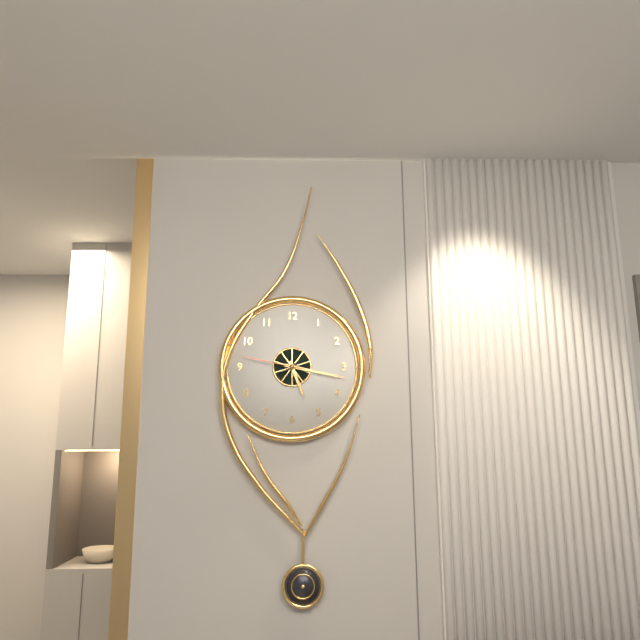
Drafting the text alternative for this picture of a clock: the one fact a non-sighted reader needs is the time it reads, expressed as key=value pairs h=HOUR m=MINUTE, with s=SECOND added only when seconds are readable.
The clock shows h=5 m=17 s=47
